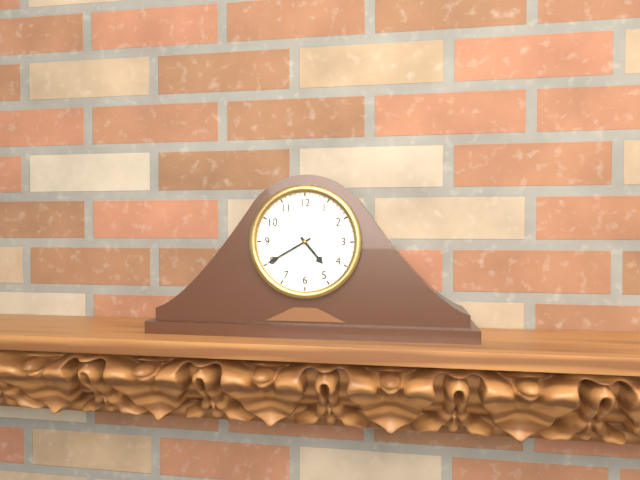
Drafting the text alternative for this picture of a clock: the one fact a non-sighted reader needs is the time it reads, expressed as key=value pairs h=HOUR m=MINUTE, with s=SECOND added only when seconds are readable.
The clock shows h=4 m=40
